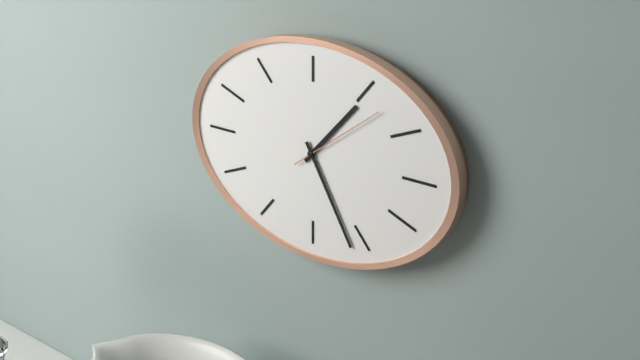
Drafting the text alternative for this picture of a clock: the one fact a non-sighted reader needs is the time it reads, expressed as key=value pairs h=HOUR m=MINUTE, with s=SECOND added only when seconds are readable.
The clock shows h=1 m=25 s=9
